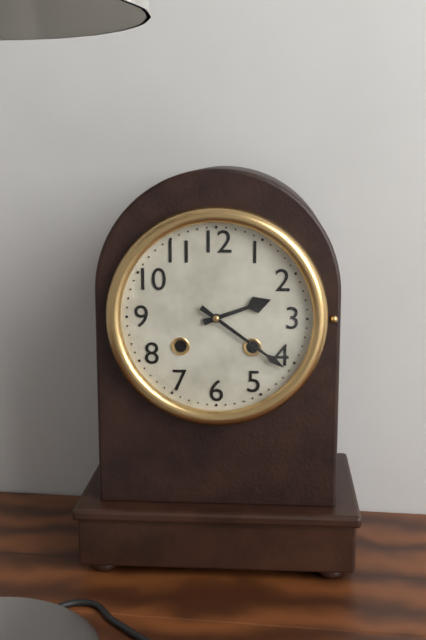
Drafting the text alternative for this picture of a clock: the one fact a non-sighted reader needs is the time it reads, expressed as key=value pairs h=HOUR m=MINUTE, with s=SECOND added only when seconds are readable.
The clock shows h=2 m=21
